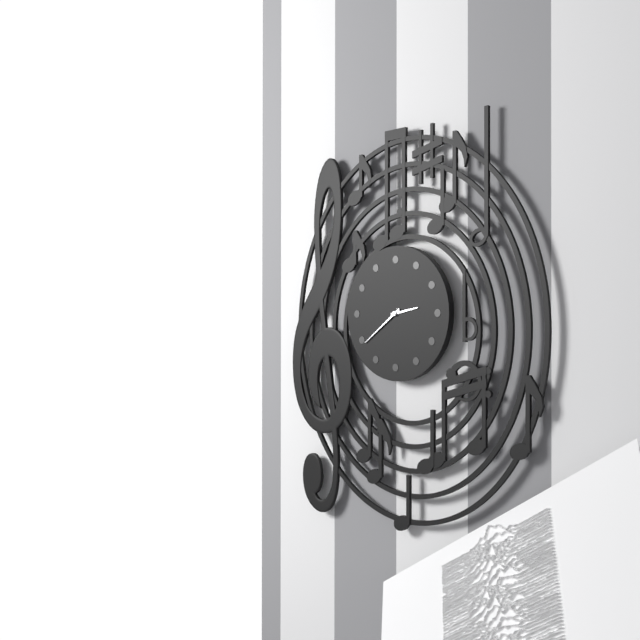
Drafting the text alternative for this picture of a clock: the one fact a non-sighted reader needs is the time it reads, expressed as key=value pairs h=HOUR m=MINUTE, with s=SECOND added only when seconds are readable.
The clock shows h=2 m=39
